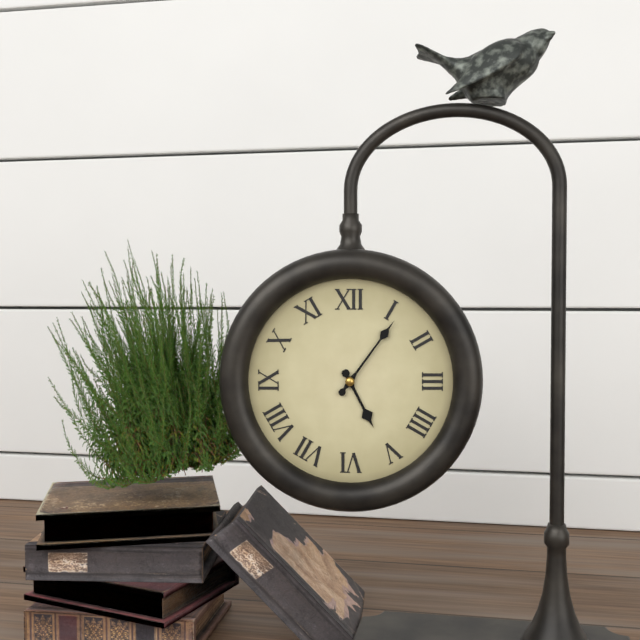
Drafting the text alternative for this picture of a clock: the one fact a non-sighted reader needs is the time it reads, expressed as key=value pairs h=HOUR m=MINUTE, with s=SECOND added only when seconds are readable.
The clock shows h=5 m=6
